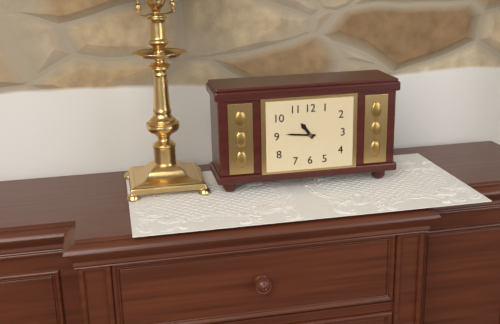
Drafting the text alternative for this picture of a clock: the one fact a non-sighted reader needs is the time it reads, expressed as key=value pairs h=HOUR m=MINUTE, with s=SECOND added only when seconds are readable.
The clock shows h=10 m=46
